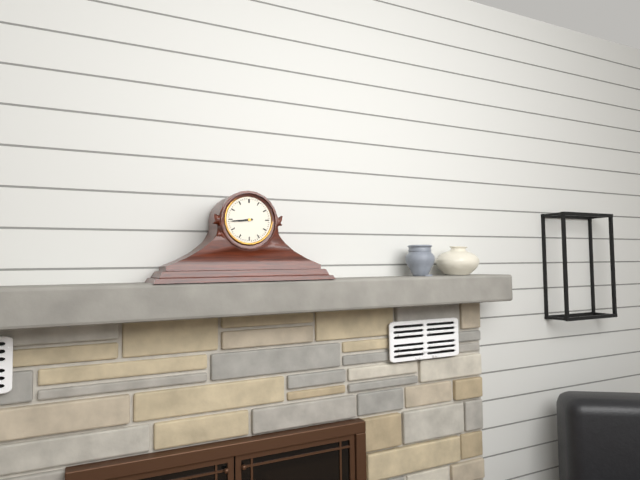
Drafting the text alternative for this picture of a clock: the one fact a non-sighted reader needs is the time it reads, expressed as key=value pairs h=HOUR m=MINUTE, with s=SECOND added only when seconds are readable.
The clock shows h=8 m=44
